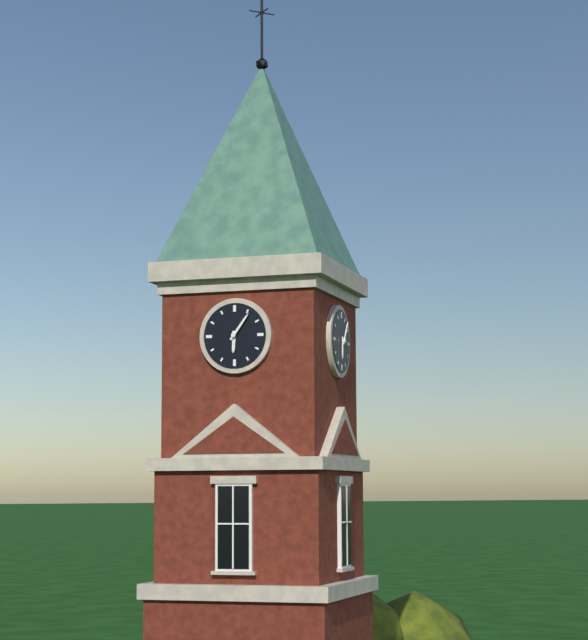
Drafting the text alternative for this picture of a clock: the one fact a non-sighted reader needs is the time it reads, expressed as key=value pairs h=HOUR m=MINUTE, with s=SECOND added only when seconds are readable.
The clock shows h=6 m=6
